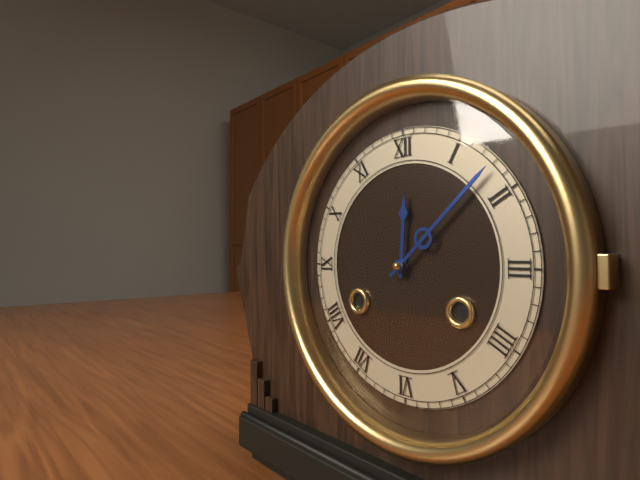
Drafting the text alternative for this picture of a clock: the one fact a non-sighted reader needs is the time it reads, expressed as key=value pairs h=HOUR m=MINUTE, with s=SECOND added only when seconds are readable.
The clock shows h=12 m=8
